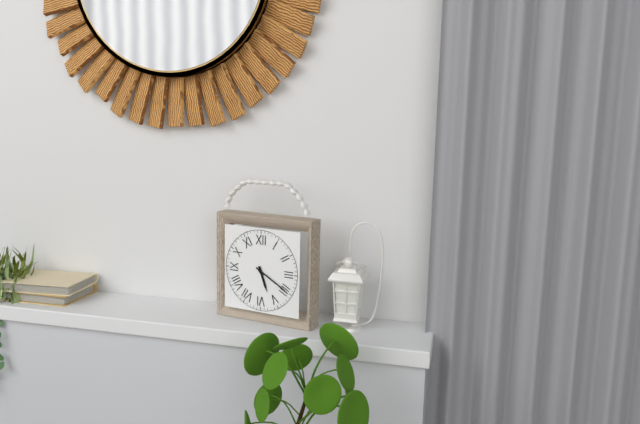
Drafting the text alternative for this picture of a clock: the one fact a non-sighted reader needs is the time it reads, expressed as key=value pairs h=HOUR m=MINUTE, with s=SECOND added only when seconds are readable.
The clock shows h=5 m=20
